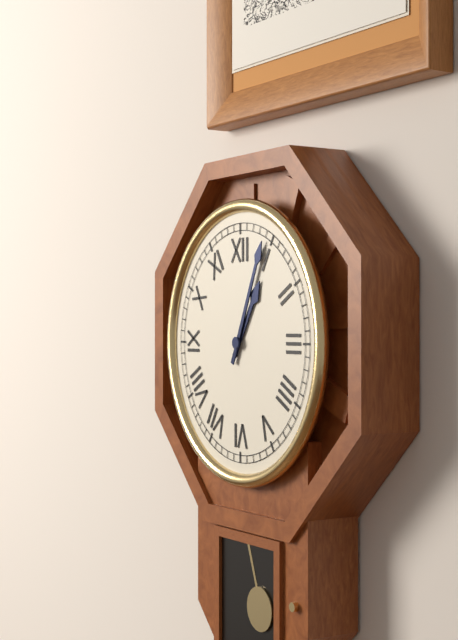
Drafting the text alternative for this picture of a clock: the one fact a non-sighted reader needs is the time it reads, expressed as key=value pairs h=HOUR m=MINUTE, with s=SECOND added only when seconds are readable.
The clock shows h=1 m=4
